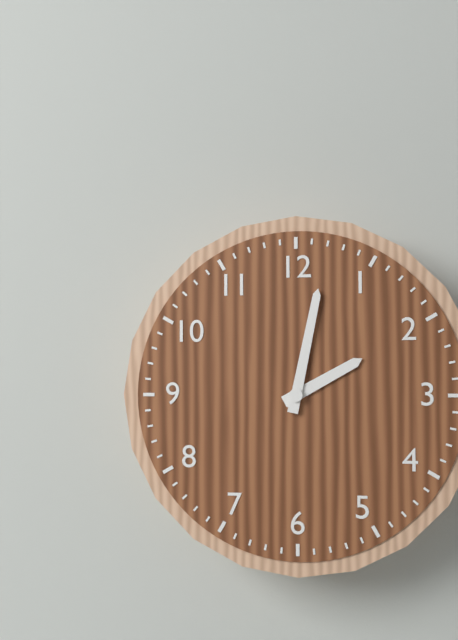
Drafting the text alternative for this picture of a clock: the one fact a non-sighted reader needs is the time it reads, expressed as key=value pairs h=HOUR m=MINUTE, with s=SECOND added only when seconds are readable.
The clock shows h=2 m=2
